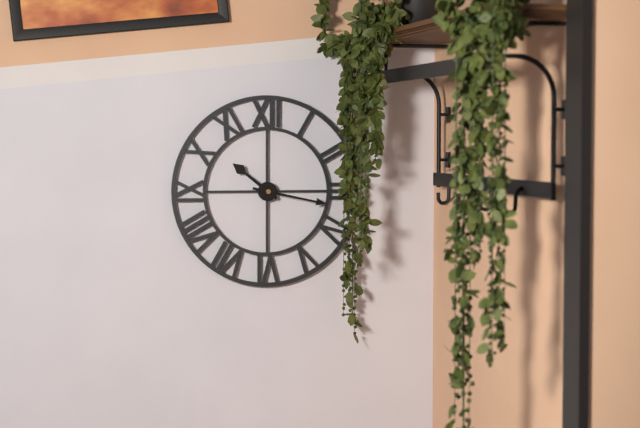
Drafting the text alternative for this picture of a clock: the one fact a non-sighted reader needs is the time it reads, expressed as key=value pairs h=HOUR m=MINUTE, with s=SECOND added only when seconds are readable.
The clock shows h=10 m=17
